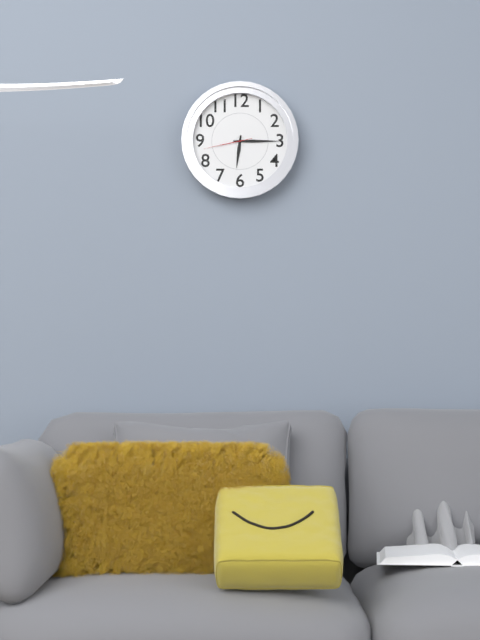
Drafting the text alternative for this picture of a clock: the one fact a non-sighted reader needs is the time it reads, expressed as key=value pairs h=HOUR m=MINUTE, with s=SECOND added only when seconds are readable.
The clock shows h=6 m=15
